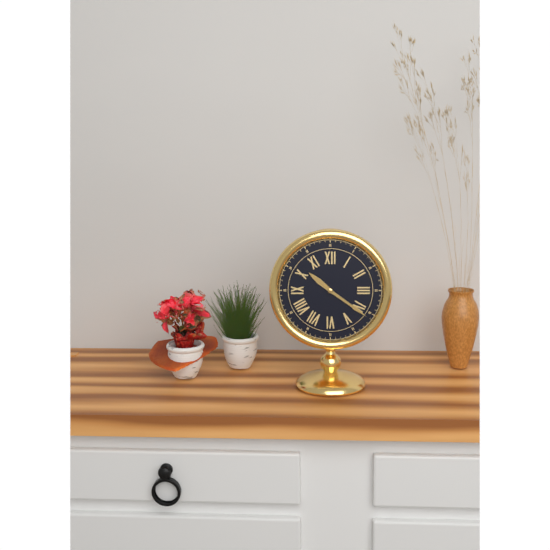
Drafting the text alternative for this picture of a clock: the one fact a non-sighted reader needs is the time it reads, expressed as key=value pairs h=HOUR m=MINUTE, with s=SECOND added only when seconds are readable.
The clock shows h=10 m=21
